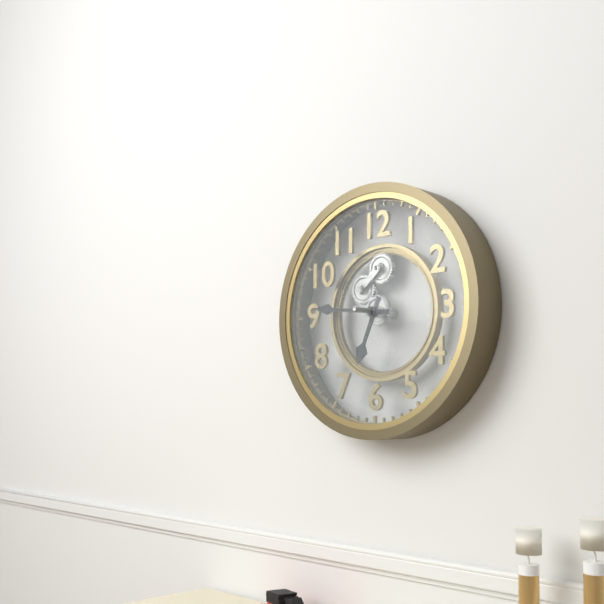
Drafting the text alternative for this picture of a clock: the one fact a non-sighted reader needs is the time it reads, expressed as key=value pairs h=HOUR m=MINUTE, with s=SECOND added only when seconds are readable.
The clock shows h=6 m=46
